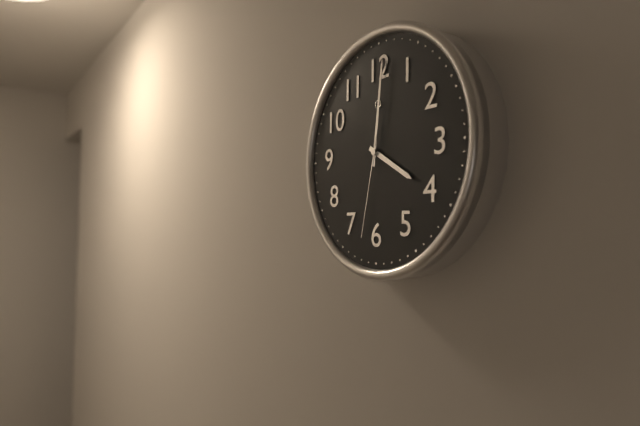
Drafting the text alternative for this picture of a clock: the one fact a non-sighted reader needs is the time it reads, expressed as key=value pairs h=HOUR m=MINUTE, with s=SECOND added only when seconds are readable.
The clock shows h=4 m=1 s=32
